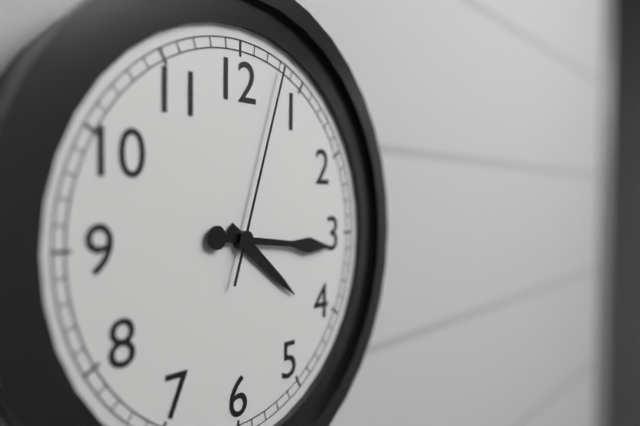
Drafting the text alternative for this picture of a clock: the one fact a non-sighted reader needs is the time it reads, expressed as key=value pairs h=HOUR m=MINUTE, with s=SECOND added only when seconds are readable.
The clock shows h=4 m=16 s=3
